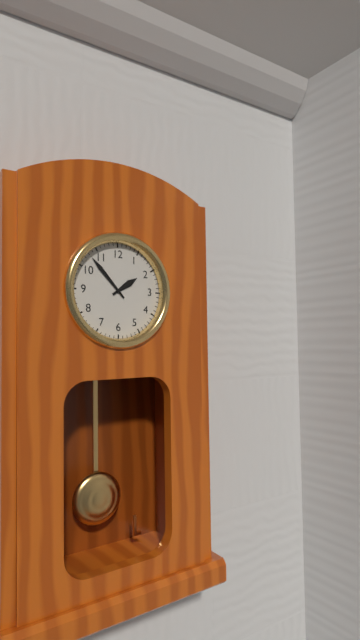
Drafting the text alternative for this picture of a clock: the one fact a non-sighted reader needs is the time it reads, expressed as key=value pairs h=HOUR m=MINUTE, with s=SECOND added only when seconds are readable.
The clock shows h=1 m=53
